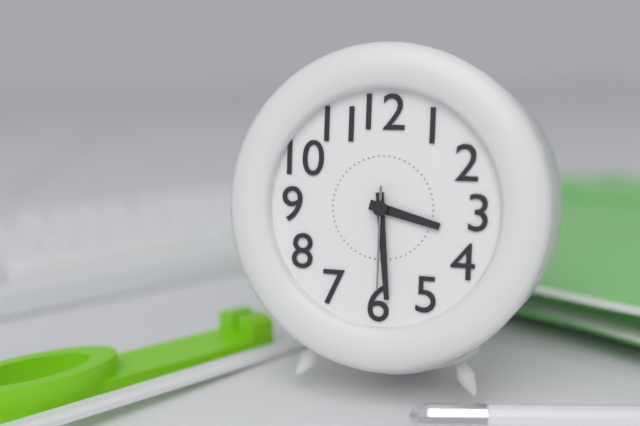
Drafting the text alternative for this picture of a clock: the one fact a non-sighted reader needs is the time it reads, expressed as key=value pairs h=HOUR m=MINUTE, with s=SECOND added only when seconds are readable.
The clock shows h=3 m=29 s=30
